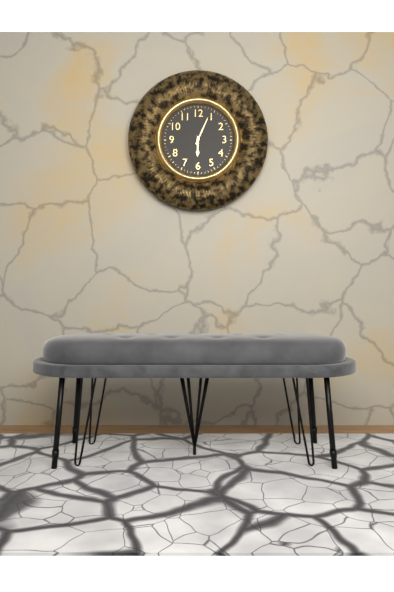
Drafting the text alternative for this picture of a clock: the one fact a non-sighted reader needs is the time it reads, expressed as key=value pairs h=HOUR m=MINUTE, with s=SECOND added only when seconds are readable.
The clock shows h=6 m=4
